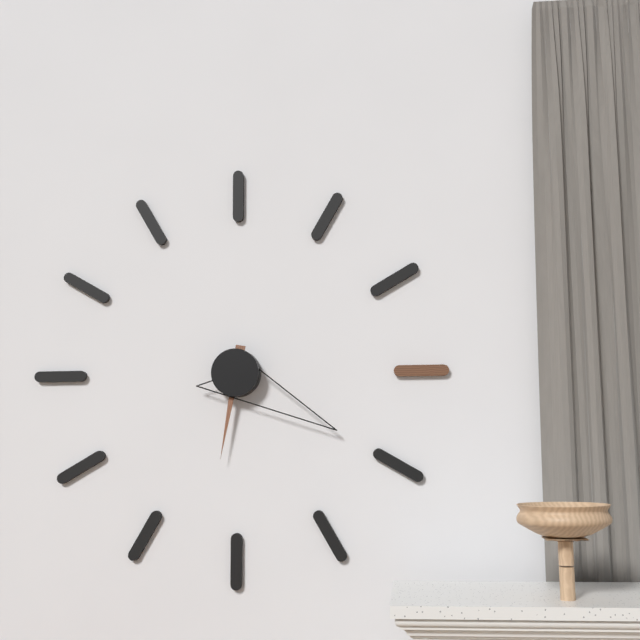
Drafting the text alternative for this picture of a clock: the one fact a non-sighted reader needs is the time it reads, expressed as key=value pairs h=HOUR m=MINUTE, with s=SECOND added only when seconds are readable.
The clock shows h=6 m=20
